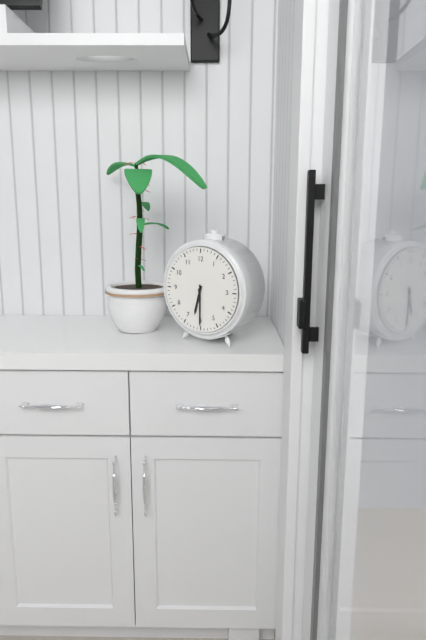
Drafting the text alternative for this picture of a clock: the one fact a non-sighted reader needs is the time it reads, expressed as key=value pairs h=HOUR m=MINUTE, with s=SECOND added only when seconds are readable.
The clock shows h=6 m=30
